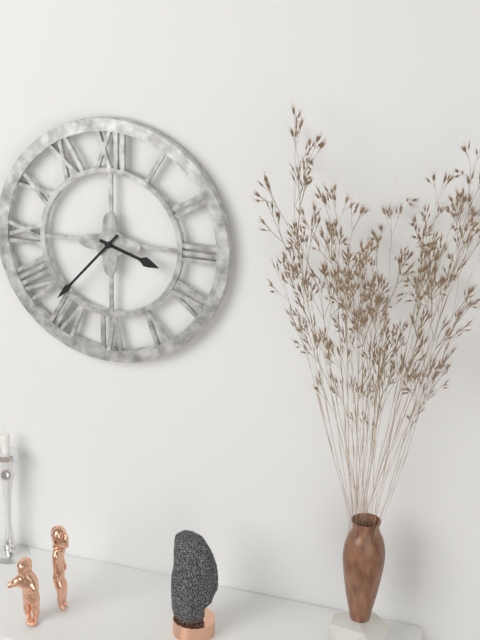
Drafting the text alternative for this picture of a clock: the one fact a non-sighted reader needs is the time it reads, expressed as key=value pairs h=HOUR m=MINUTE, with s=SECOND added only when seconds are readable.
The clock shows h=3 m=37
